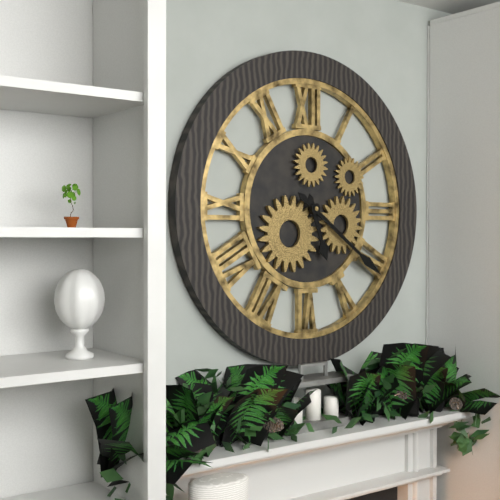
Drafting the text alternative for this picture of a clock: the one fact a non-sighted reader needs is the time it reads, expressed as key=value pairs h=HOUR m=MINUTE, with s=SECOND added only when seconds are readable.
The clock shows h=5 m=21
